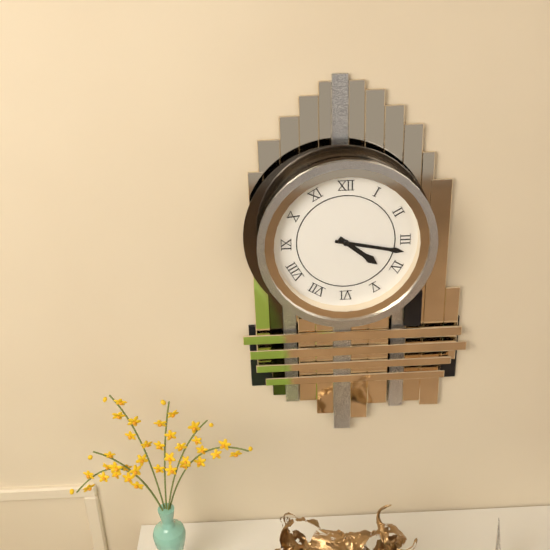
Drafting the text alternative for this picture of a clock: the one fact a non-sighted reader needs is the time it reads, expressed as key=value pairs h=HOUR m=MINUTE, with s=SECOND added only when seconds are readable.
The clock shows h=4 m=17
